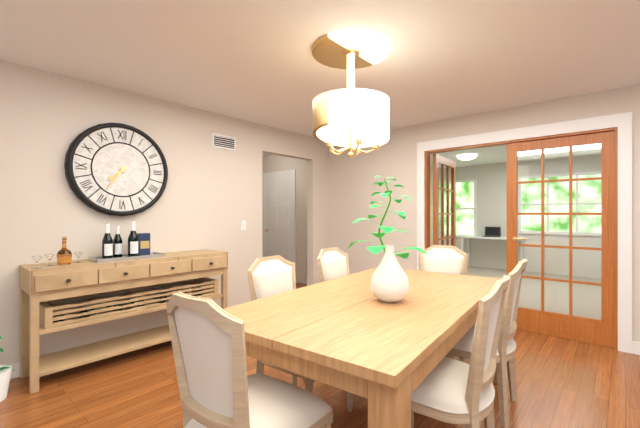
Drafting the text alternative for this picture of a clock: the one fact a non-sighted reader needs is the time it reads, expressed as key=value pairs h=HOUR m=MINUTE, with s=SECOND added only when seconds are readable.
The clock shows h=7 m=36
